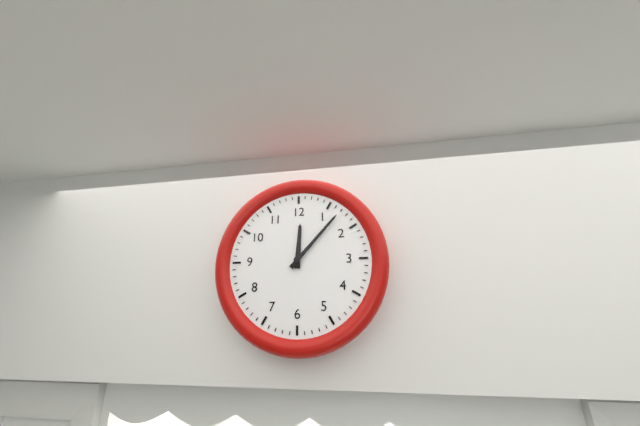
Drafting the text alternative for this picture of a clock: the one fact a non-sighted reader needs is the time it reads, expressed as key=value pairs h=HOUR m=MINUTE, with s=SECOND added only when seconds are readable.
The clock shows h=12 m=7
